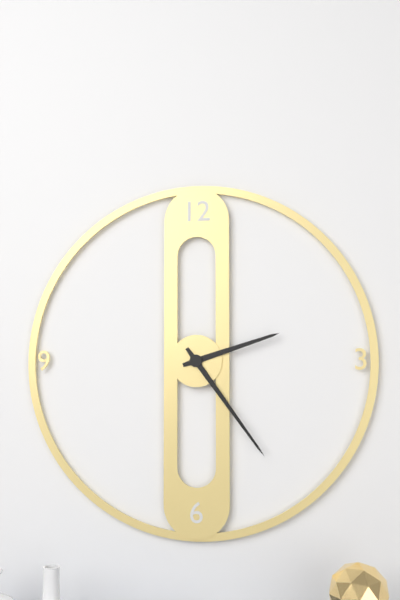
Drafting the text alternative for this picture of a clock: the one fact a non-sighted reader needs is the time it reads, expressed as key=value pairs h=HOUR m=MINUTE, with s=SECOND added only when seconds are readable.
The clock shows h=2 m=24
